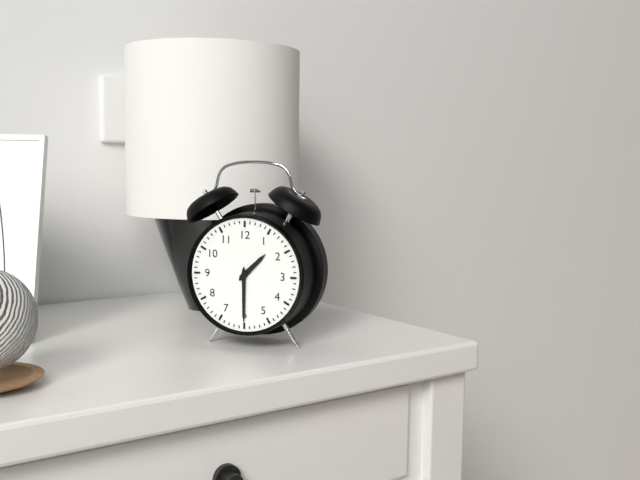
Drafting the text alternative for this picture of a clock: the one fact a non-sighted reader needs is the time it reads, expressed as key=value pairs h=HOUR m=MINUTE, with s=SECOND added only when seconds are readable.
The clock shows h=1 m=30
